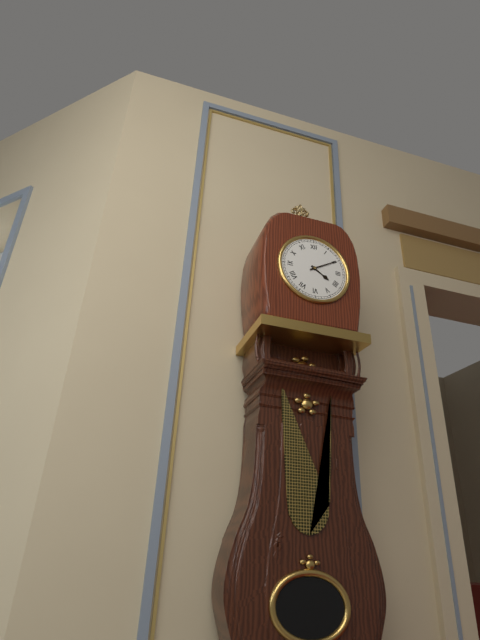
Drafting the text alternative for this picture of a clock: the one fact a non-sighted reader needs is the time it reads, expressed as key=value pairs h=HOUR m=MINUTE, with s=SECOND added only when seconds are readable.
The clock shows h=4 m=10
